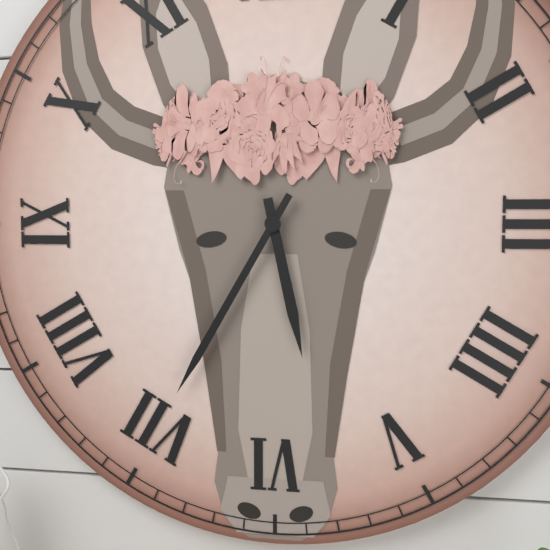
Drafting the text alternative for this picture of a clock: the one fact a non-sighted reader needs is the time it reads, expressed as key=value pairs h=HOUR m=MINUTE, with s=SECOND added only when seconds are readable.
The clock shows h=5 m=35
